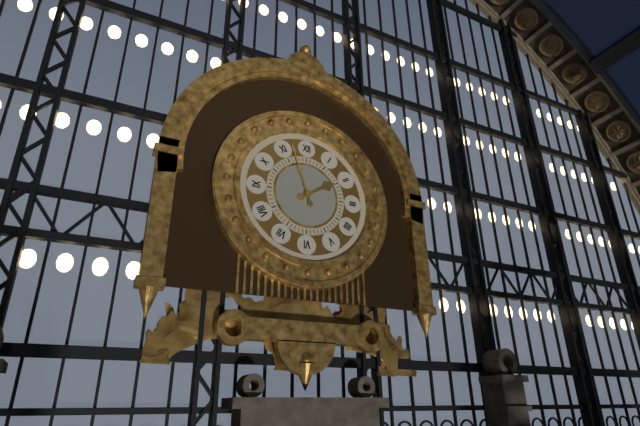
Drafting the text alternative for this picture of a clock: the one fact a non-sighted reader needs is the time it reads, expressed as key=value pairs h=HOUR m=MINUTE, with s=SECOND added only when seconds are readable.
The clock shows h=1 m=57
